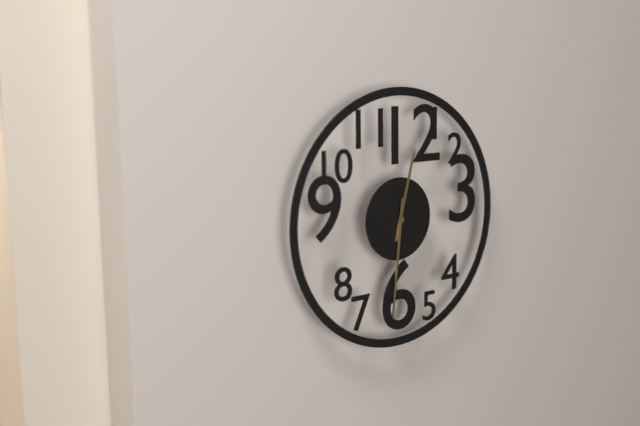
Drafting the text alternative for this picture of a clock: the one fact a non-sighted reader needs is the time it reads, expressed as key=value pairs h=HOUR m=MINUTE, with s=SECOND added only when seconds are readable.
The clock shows h=12 m=31
